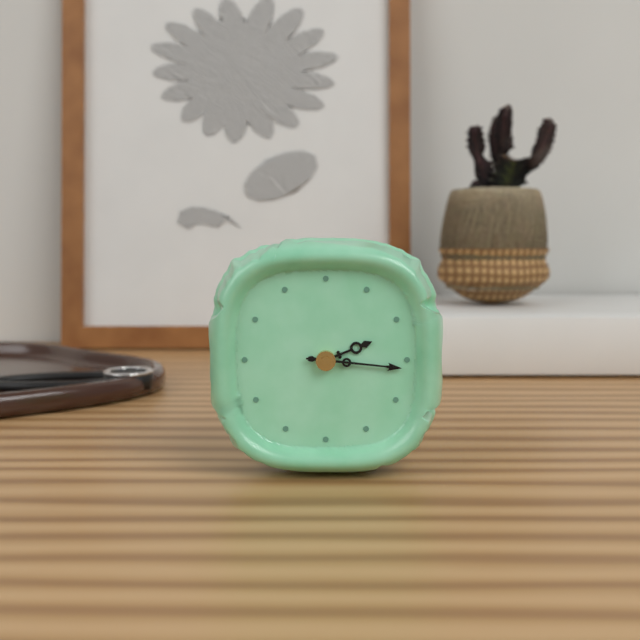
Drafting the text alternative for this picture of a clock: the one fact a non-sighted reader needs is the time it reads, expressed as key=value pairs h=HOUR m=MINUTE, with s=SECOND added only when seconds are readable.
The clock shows h=2 m=16 s=16
